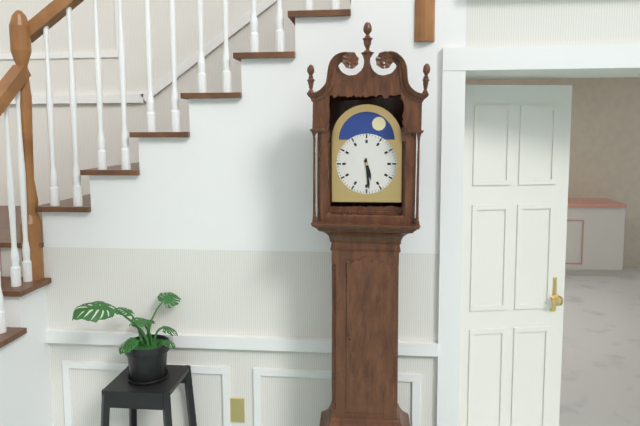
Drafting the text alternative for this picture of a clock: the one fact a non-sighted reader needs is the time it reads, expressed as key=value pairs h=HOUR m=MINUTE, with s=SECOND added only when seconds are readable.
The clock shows h=5 m=29
